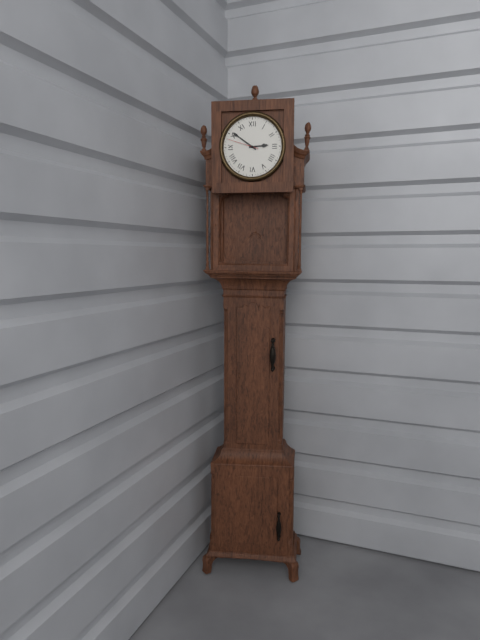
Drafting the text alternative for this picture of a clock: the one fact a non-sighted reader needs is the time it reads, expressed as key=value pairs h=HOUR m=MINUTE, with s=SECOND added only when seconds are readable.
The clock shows h=2 m=51
